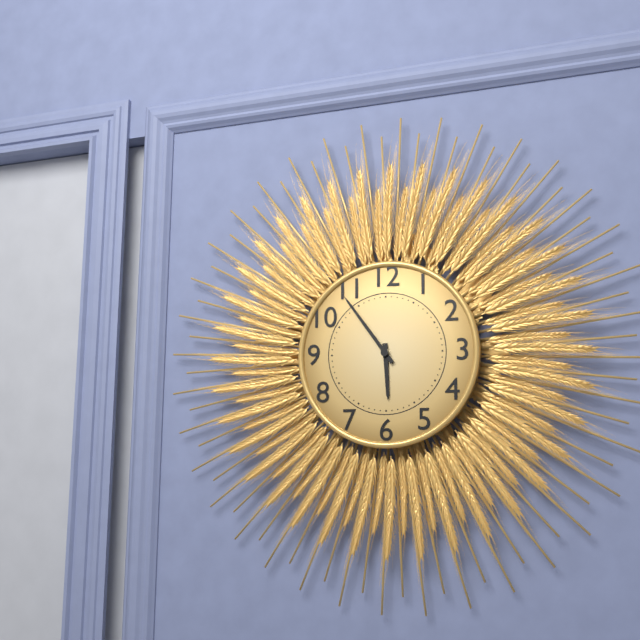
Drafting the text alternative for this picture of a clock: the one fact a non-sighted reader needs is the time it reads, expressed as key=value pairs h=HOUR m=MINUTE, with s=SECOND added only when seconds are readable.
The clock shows h=5 m=54
